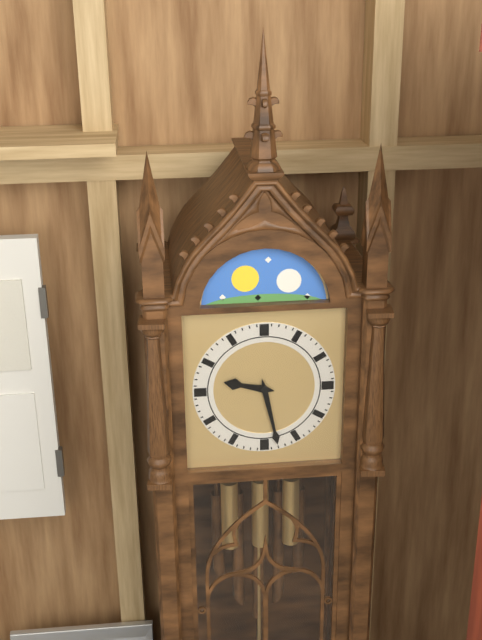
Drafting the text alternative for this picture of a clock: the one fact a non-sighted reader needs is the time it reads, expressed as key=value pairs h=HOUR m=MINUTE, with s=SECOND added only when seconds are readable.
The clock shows h=9 m=28
